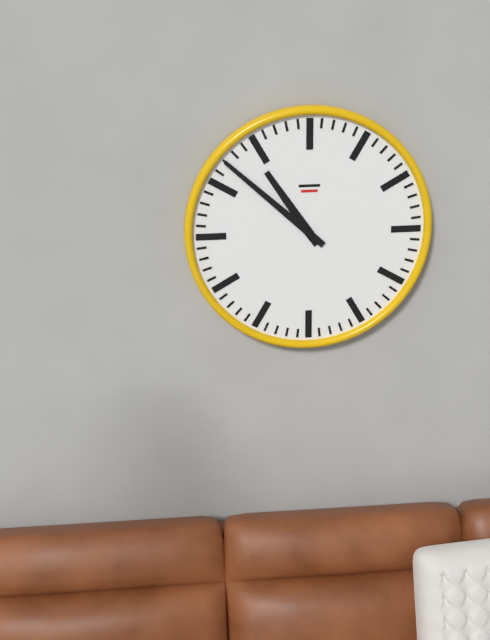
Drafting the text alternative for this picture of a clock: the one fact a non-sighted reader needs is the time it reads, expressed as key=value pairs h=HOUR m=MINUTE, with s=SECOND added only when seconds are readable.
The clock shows h=10 m=52
